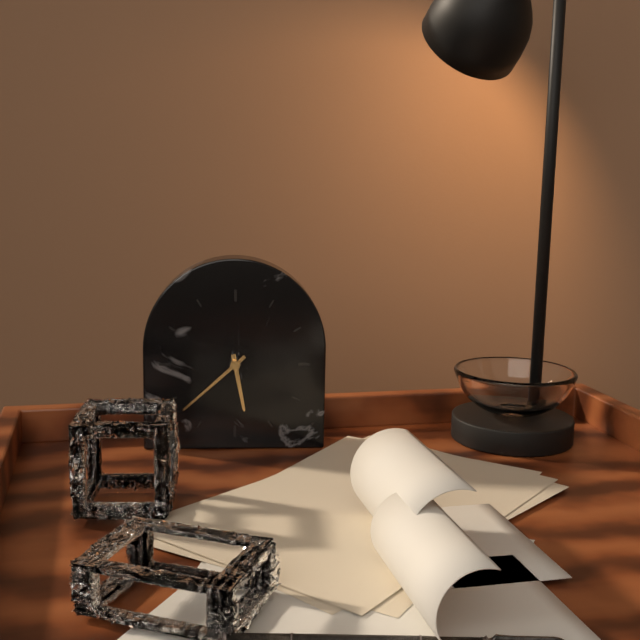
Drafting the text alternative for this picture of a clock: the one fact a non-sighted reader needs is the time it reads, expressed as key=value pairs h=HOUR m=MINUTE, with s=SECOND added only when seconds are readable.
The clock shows h=5 m=38
